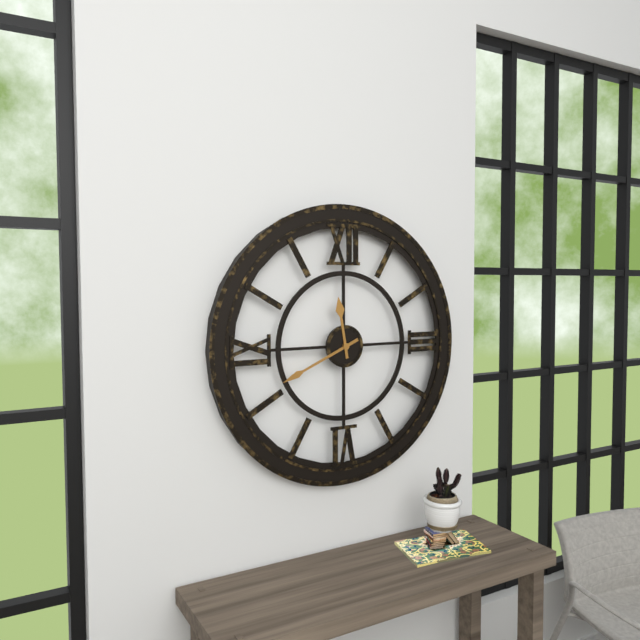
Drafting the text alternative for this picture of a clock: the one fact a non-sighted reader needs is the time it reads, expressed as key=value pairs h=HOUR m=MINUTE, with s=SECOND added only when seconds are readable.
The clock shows h=11 m=41
